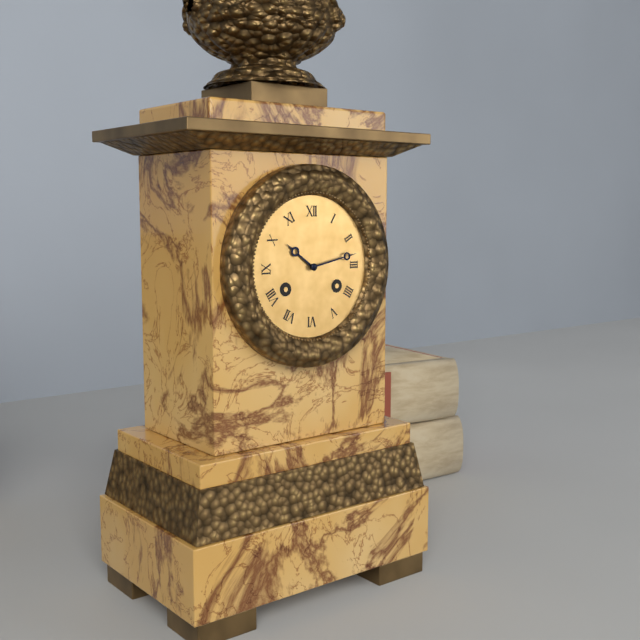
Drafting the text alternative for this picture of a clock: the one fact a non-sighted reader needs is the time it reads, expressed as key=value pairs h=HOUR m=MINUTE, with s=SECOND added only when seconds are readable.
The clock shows h=10 m=13
